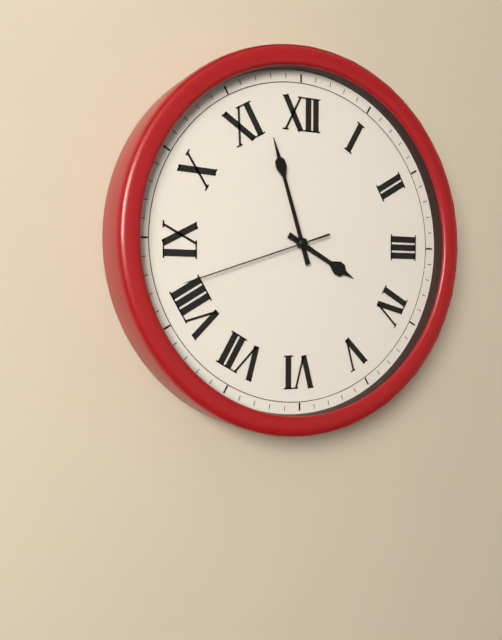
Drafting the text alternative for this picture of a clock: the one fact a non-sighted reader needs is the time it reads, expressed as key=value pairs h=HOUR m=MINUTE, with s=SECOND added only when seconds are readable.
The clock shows h=3 m=57 s=42
